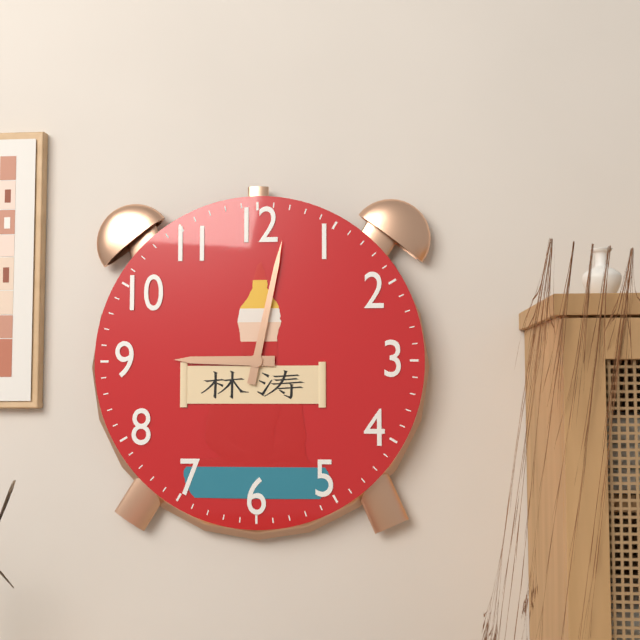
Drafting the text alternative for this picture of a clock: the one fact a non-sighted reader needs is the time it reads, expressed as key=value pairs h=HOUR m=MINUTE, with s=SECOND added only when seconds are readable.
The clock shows h=9 m=2
